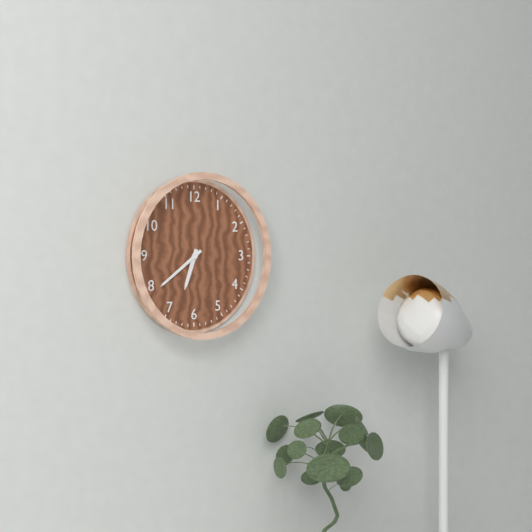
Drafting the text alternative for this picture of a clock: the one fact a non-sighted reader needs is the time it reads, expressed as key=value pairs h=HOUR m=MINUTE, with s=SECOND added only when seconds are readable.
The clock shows h=6 m=39
